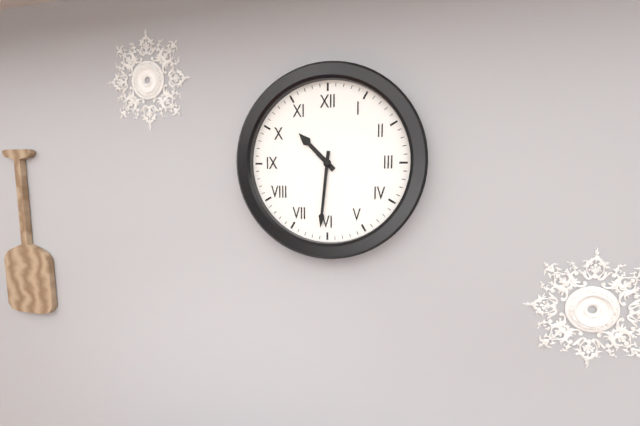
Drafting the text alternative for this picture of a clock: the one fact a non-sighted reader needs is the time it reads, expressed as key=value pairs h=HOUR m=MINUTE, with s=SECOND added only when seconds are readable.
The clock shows h=10 m=31
